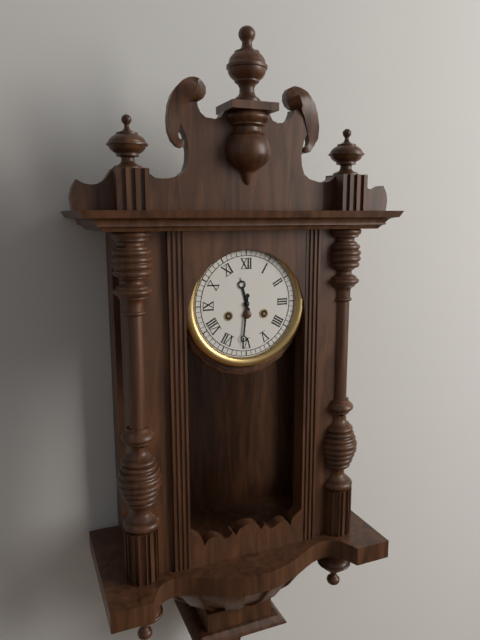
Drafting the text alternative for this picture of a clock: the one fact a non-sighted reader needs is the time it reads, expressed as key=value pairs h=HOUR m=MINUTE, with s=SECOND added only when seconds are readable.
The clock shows h=11 m=31
